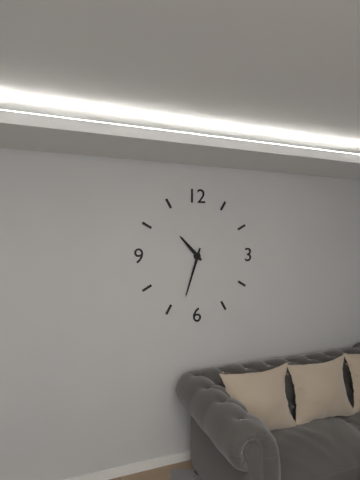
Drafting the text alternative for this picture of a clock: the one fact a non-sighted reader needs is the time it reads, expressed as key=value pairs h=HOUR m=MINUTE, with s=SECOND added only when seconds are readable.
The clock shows h=10 m=33
